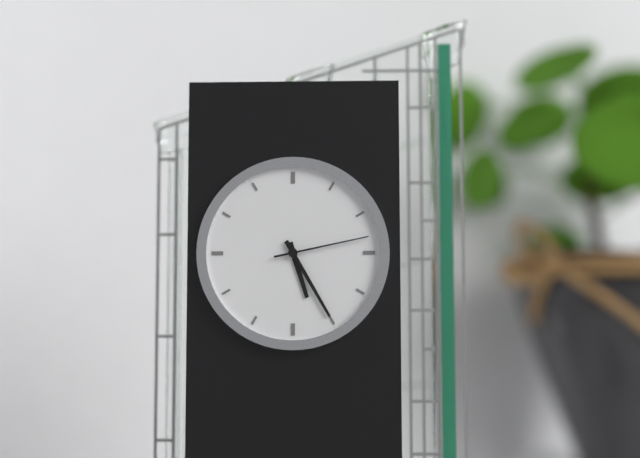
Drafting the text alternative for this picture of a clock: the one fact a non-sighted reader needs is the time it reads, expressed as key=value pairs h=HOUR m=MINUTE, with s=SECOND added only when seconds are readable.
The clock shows h=5 m=25 s=13
